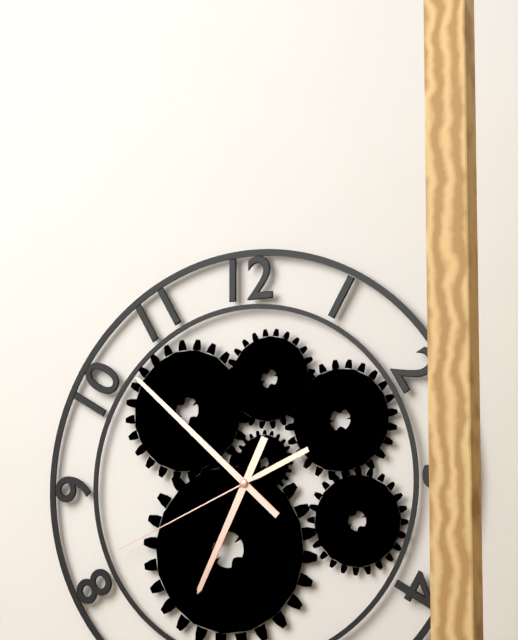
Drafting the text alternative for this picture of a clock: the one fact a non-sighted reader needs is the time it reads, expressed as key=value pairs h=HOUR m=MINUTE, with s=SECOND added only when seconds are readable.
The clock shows h=6 m=52 s=41
